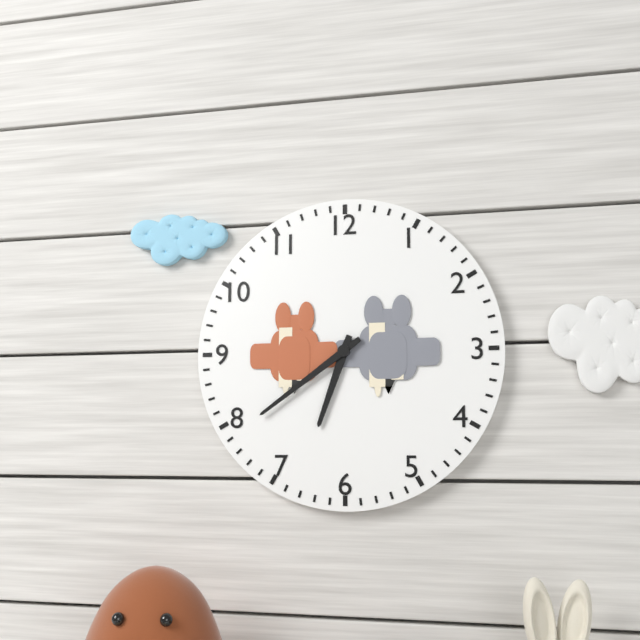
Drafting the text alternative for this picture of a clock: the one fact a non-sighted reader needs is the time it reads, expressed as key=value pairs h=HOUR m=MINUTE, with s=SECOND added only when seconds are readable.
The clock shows h=6 m=39
